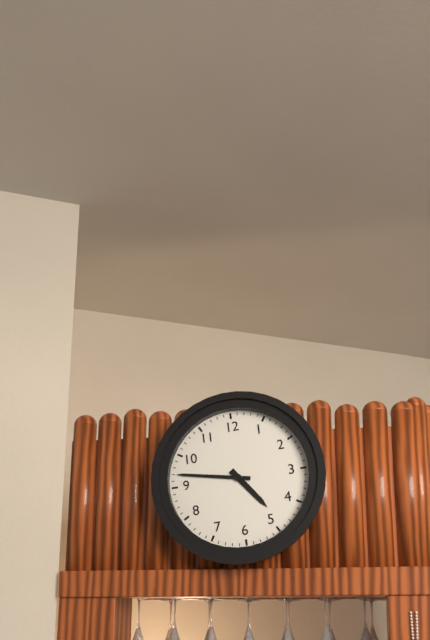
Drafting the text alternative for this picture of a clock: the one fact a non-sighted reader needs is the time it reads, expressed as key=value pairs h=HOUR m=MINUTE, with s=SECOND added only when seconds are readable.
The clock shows h=4 m=47
